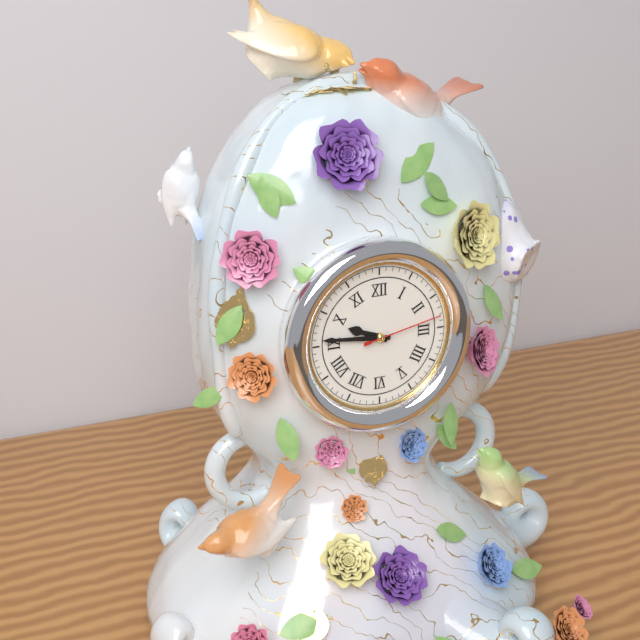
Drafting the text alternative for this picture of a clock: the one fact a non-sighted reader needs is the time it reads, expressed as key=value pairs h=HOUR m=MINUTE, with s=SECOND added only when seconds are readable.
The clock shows h=9 m=46 s=13
